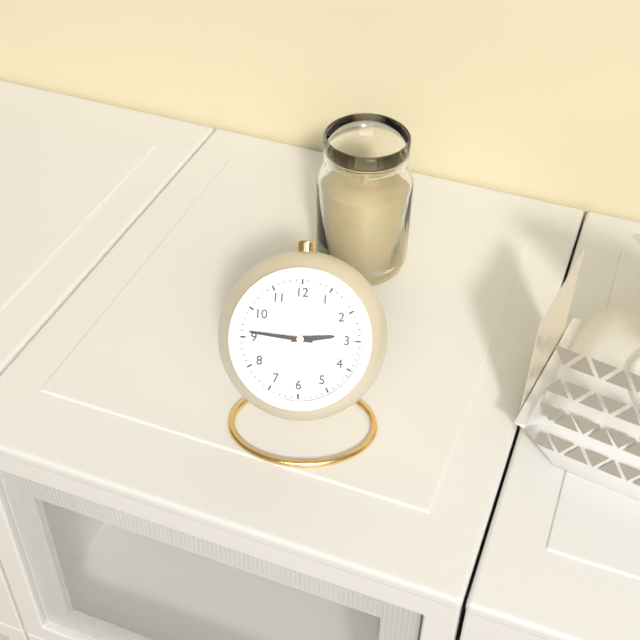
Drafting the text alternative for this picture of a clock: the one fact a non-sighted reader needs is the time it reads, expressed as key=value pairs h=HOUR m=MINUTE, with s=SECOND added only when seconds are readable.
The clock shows h=2 m=46
